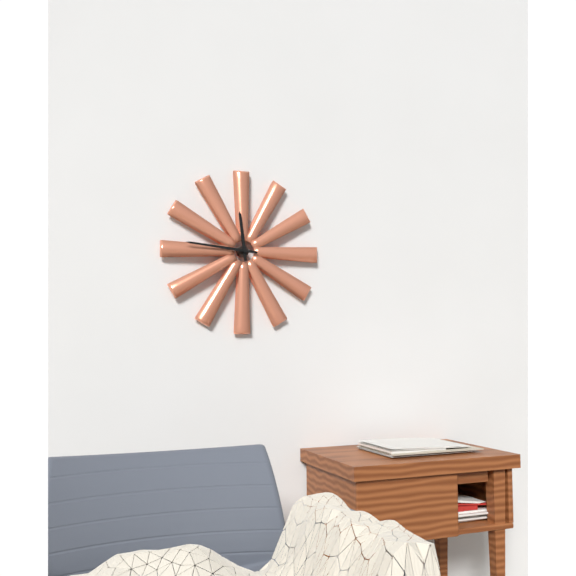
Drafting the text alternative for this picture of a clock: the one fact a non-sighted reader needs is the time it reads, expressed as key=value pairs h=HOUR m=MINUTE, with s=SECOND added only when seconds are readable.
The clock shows h=11 m=46
